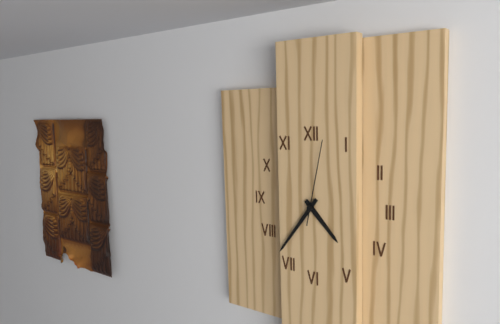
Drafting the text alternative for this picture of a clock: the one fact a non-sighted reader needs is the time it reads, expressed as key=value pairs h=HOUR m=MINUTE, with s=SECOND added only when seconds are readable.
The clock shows h=4 m=36 s=2
